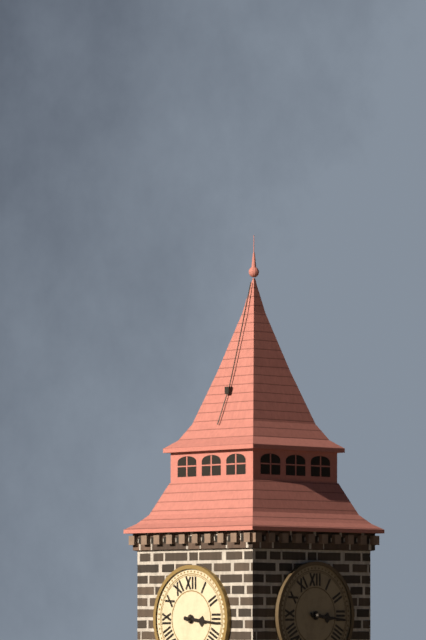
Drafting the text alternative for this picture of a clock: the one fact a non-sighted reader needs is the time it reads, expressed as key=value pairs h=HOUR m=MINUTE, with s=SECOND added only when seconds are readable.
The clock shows h=3 m=16
